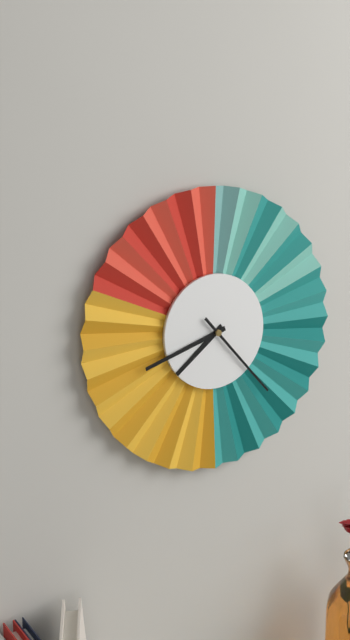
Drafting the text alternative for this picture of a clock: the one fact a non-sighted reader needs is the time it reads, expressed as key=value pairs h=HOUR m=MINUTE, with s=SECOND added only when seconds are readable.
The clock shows h=7 m=42 s=23
